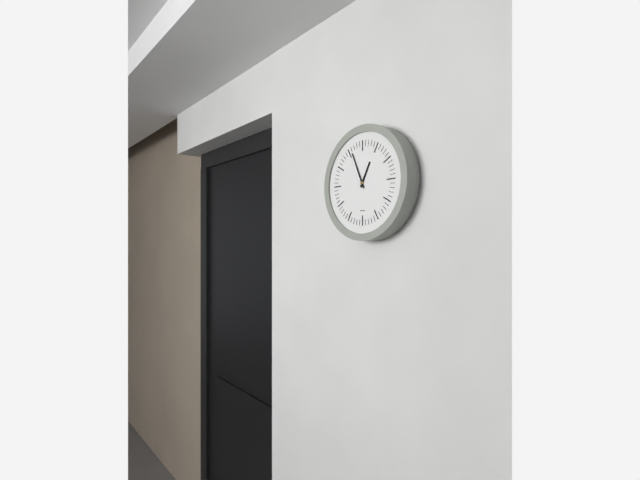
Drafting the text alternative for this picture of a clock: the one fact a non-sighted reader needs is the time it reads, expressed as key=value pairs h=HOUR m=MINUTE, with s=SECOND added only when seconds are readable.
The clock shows h=12 m=56
